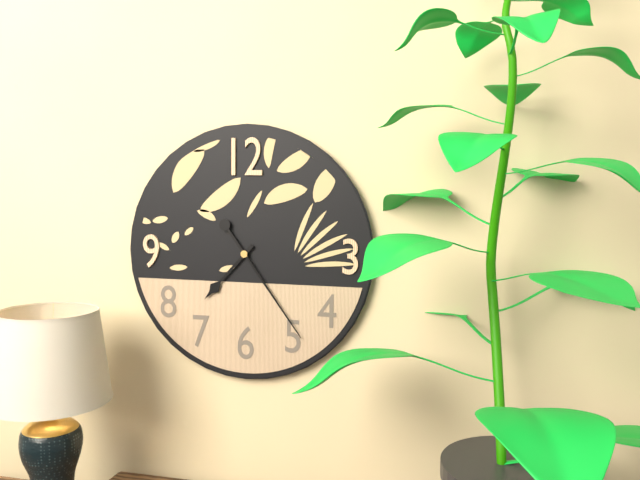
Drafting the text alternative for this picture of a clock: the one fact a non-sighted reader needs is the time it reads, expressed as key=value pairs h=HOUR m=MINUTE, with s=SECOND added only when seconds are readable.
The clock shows h=7 m=24
